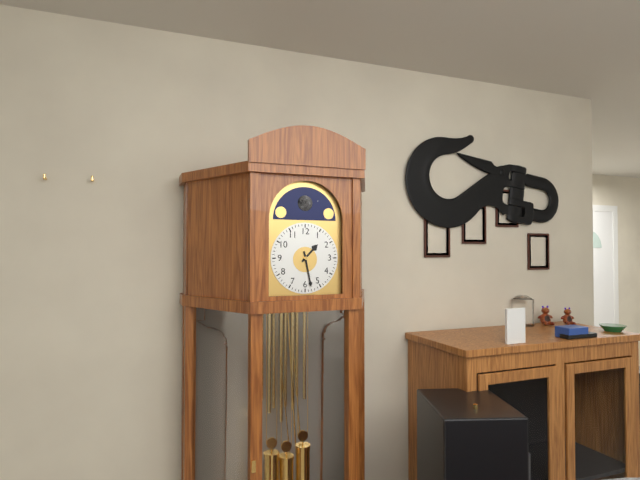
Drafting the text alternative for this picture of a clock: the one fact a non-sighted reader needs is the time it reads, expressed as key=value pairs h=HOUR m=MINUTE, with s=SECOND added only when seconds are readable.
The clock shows h=1 m=28
